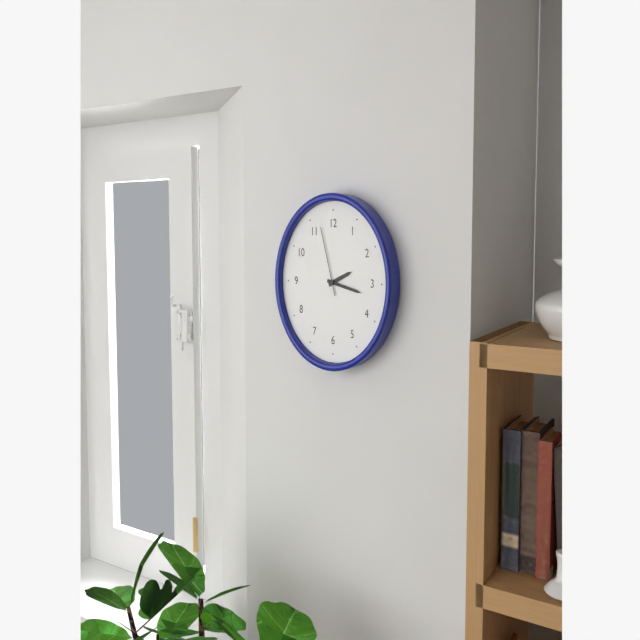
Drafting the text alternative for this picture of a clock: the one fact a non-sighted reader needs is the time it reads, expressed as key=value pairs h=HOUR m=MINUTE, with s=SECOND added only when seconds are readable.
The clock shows h=2 m=17 s=57
